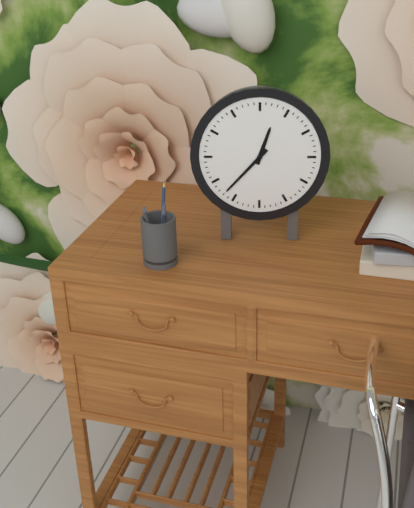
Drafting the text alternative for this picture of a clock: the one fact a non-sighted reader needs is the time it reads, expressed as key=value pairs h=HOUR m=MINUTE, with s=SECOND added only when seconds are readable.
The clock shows h=12 m=37
